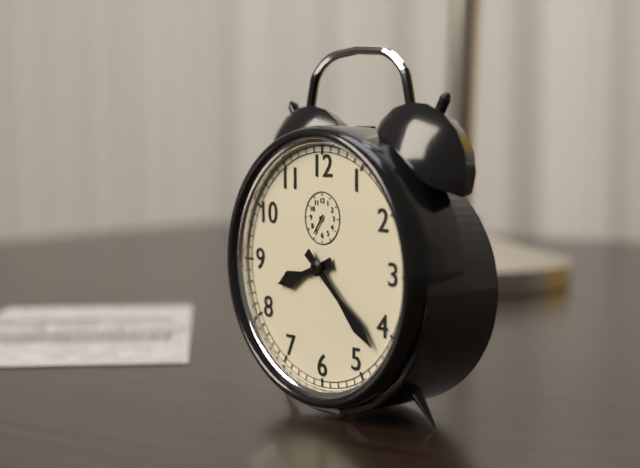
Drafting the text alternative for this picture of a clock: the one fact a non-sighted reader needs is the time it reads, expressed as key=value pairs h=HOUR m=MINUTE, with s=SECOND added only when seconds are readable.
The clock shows h=8 m=22
